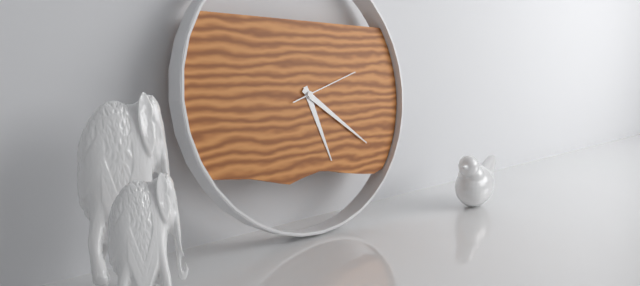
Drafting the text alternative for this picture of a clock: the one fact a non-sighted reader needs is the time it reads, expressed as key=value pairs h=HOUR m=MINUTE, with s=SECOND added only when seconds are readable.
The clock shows h=5 m=21 s=12
